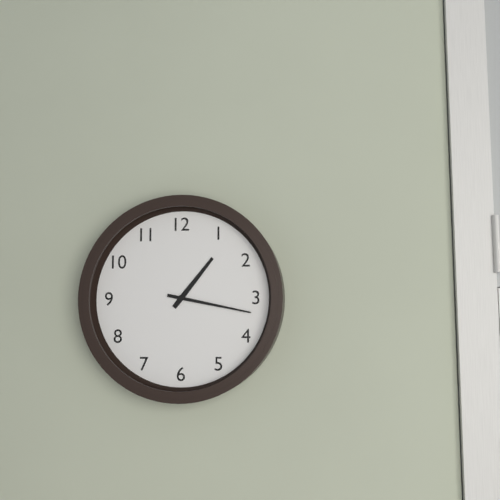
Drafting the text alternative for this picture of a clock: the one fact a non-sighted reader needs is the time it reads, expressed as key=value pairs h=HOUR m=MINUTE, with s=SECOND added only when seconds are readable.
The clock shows h=1 m=17
